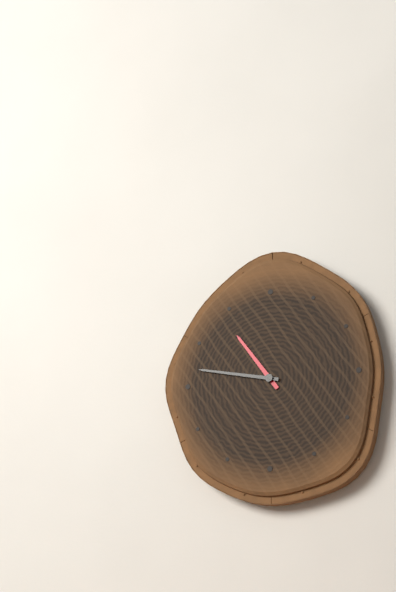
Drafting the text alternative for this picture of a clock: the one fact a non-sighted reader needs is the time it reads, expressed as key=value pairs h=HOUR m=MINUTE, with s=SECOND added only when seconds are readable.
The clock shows h=10 m=47
